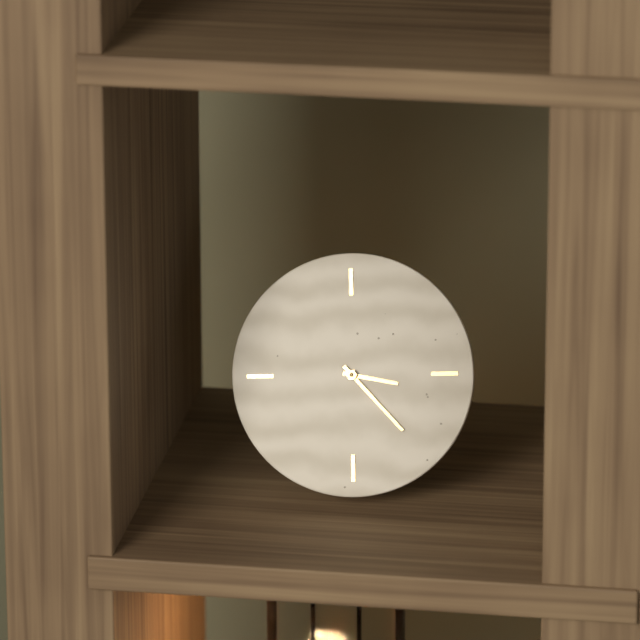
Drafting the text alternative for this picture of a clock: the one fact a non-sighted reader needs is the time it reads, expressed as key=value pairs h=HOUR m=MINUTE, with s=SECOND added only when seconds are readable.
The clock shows h=3 m=23
